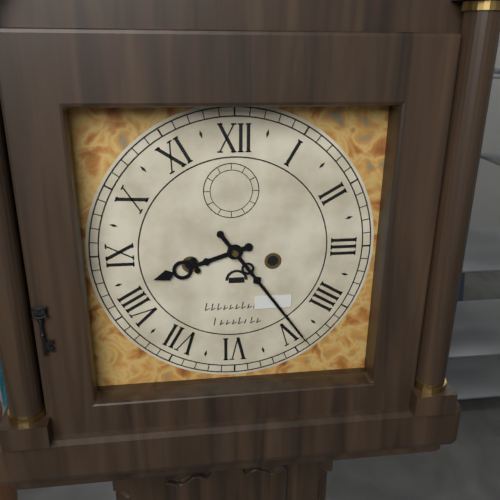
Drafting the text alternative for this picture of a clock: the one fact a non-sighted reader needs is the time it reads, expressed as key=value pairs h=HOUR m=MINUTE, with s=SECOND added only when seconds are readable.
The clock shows h=8 m=24
